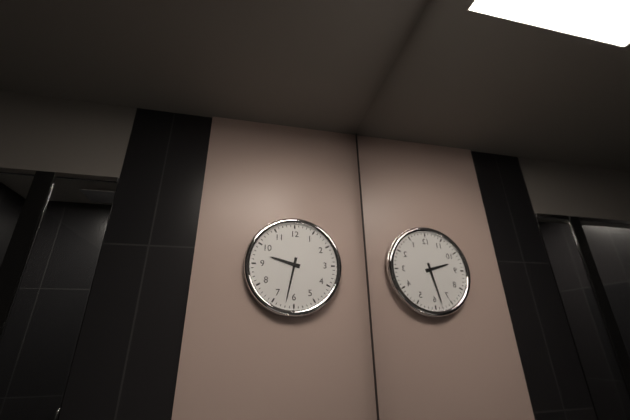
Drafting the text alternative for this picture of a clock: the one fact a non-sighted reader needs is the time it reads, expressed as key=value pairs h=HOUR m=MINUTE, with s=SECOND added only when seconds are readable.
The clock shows h=9 m=32
